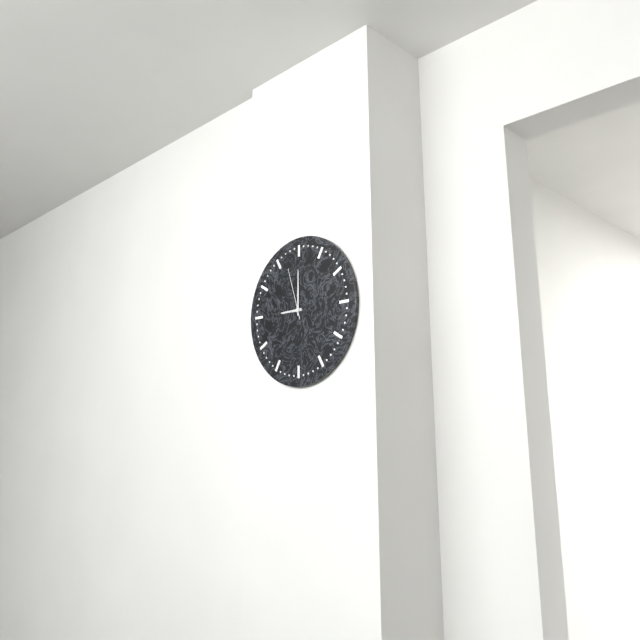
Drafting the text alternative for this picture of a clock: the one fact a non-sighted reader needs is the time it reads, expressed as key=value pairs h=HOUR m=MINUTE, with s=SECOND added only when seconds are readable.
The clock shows h=9 m=0 s=57
